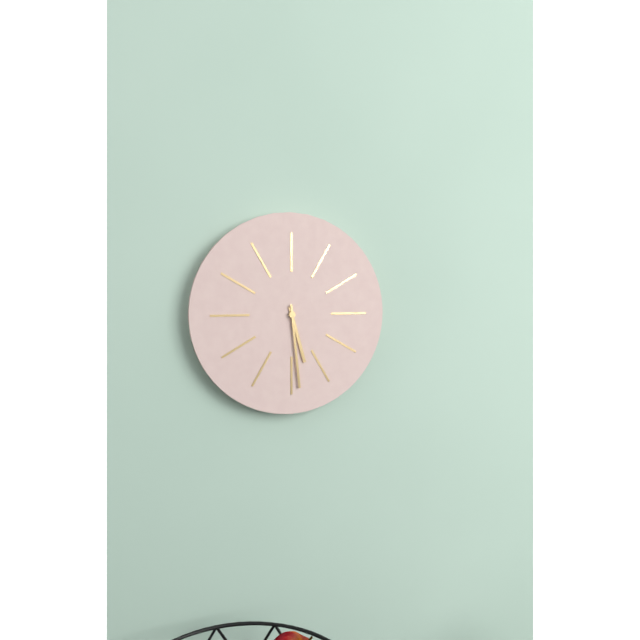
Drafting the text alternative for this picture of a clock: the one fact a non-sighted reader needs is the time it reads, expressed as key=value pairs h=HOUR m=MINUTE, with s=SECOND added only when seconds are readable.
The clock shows h=5 m=29
